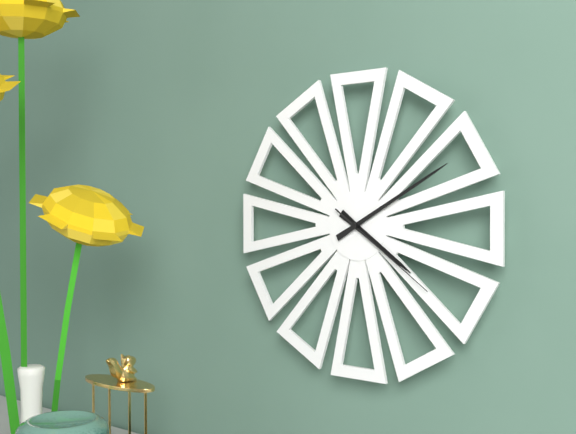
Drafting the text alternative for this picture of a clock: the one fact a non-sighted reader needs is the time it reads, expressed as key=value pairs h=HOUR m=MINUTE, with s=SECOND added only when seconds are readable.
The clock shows h=4 m=10 s=21
